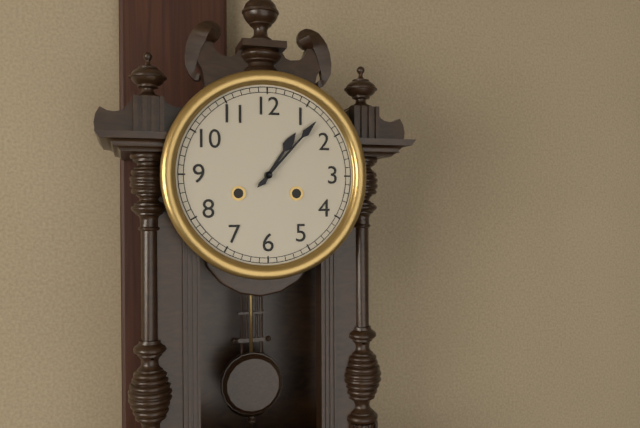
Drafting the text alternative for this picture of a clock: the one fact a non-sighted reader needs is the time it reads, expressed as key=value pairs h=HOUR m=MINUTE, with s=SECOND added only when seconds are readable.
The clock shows h=1 m=7
